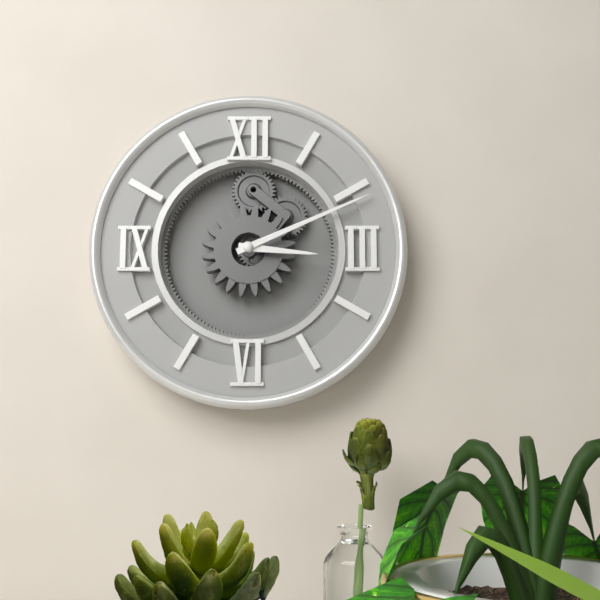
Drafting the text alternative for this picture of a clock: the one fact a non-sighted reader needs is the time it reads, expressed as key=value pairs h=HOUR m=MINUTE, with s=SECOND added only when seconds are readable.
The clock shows h=3 m=11
